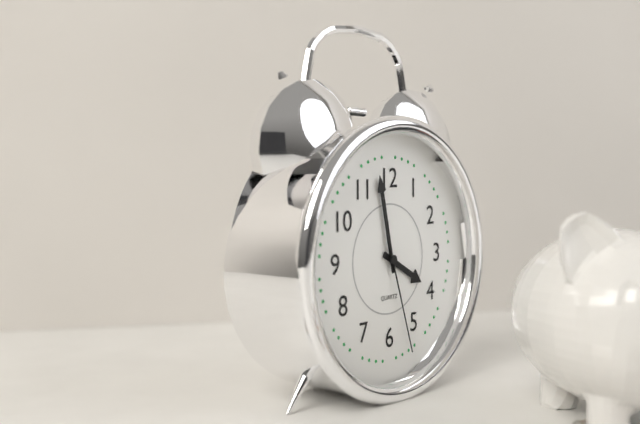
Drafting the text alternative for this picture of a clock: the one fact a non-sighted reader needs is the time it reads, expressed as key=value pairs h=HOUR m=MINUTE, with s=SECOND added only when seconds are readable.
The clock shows h=3 m=58 s=27
